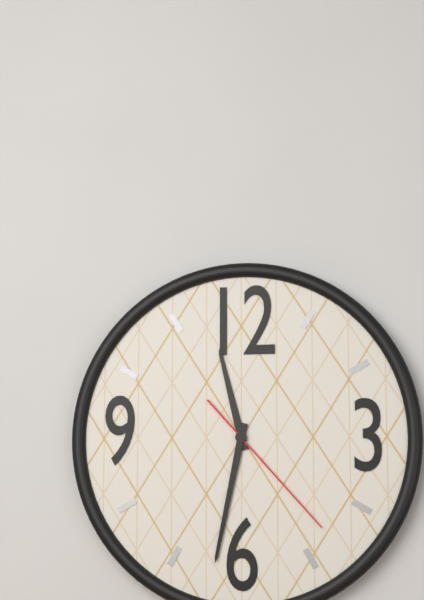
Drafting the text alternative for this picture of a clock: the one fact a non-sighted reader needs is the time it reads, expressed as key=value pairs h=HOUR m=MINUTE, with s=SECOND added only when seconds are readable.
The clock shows h=11 m=32 s=23
